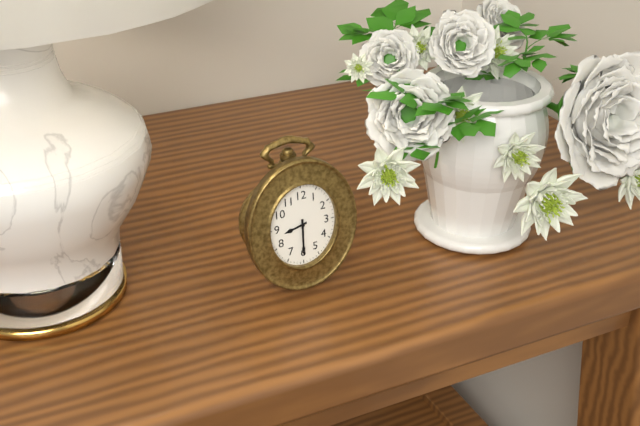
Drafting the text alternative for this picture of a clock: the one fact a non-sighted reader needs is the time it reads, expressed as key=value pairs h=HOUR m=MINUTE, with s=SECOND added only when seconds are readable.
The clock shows h=8 m=30
